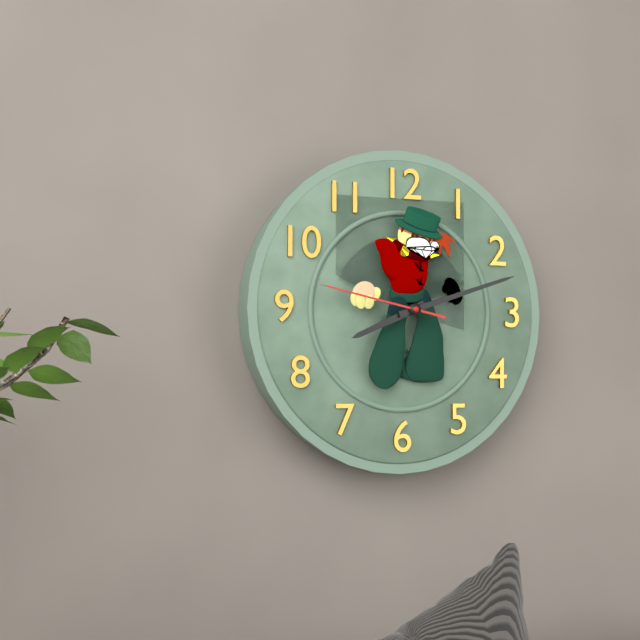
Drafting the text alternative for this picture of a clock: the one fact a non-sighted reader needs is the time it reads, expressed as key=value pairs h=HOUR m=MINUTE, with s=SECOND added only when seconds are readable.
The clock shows h=8 m=12 s=47
